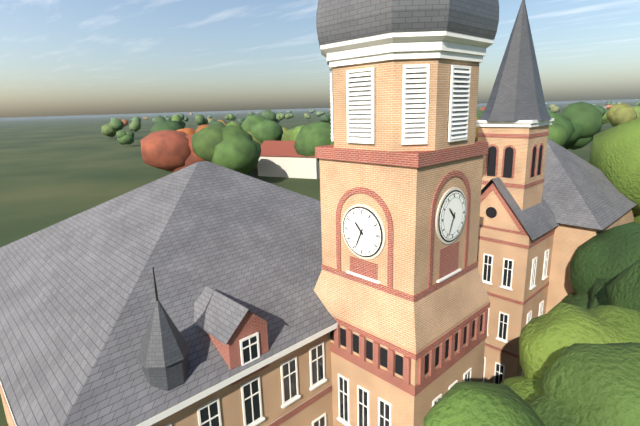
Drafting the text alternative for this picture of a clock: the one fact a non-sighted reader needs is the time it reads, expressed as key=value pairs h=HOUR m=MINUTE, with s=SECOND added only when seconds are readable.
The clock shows h=10 m=34
